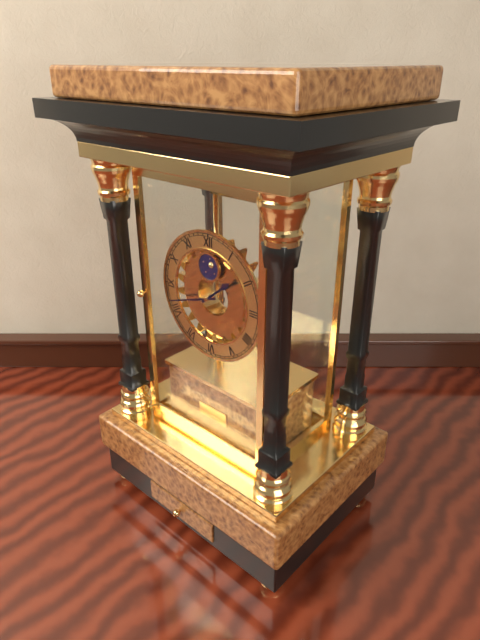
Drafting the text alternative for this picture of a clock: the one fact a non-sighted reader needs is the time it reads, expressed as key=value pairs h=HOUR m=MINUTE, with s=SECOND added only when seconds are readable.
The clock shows h=1 m=42
